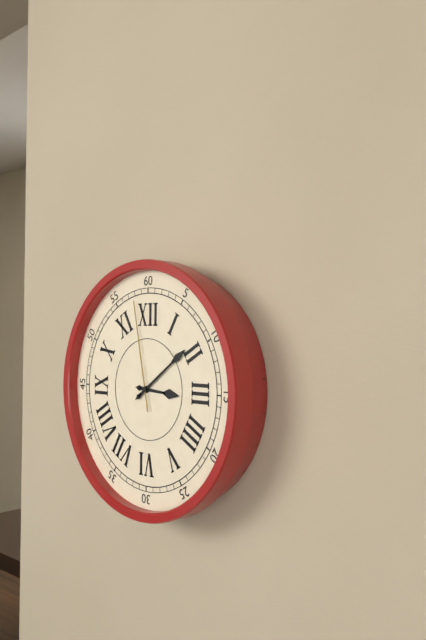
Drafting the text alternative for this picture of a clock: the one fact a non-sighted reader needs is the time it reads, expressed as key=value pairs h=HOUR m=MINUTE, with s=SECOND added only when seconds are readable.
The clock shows h=3 m=9 s=58
